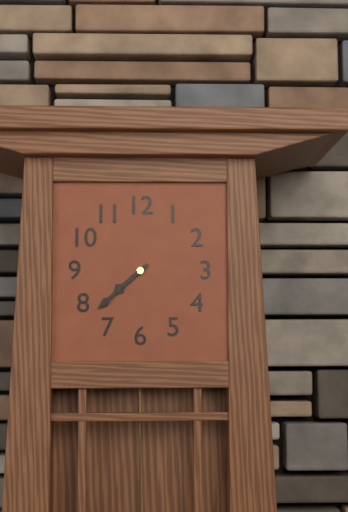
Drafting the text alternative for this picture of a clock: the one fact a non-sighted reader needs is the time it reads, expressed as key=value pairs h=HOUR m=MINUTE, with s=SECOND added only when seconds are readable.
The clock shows h=7 m=38
